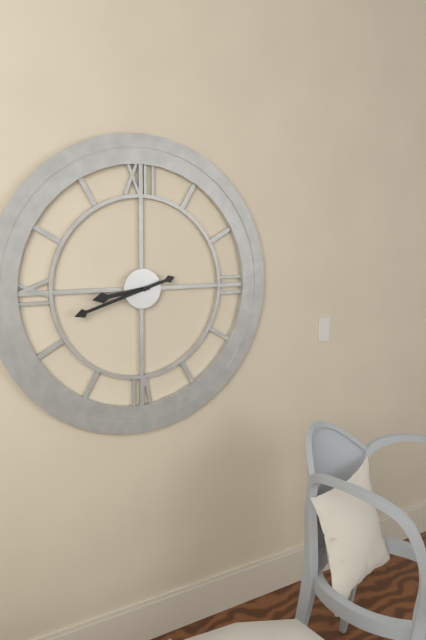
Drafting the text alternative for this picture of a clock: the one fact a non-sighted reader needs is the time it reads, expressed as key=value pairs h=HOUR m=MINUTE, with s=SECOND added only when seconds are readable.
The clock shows h=8 m=42
